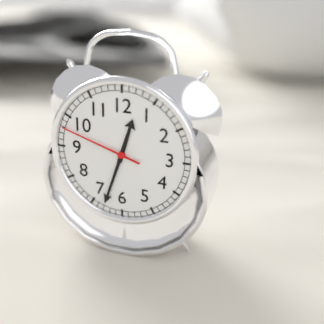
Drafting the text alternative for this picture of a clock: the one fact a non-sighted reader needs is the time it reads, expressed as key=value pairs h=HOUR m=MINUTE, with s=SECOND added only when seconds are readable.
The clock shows h=12 m=33 s=48
